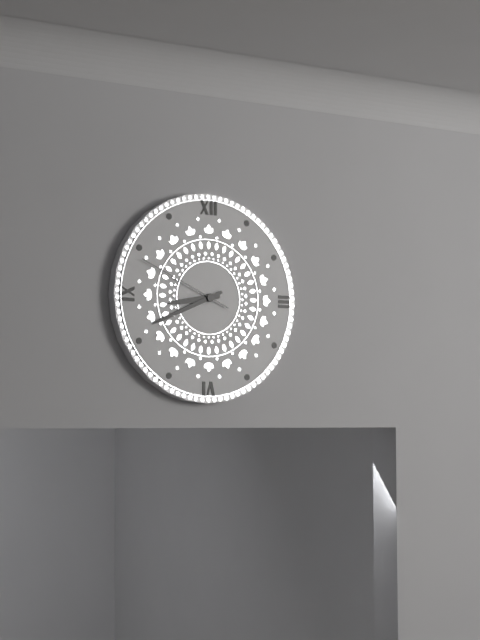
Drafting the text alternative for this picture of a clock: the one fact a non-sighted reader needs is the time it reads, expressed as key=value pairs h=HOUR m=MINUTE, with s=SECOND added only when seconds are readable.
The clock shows h=8 m=41 s=49
